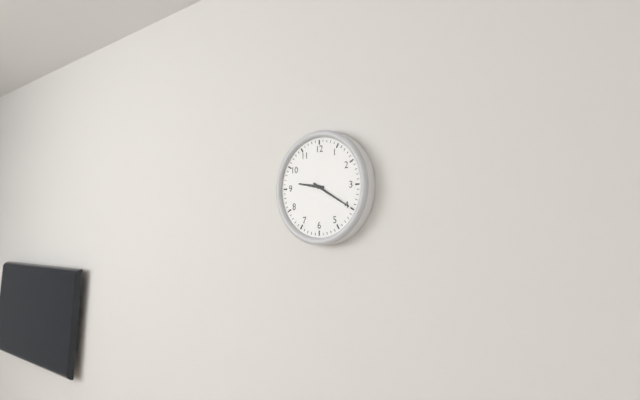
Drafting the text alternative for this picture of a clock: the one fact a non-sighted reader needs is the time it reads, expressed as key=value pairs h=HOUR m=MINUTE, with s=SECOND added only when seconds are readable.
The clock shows h=9 m=20
